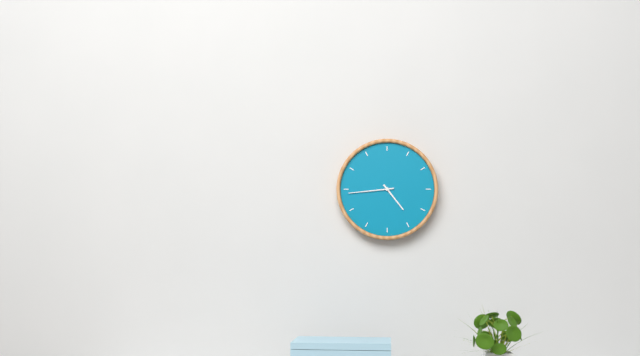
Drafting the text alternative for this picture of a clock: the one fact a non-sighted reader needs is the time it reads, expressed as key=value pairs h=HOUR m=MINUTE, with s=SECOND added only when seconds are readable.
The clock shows h=4 m=44
